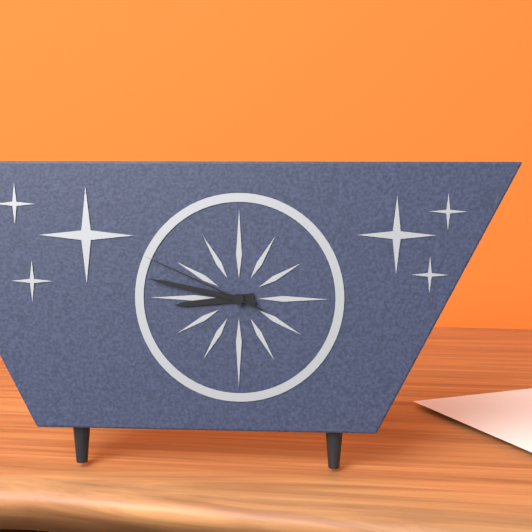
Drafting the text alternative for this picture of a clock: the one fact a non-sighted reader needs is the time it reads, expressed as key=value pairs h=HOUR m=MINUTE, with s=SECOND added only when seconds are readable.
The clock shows h=8 m=47 s=49
